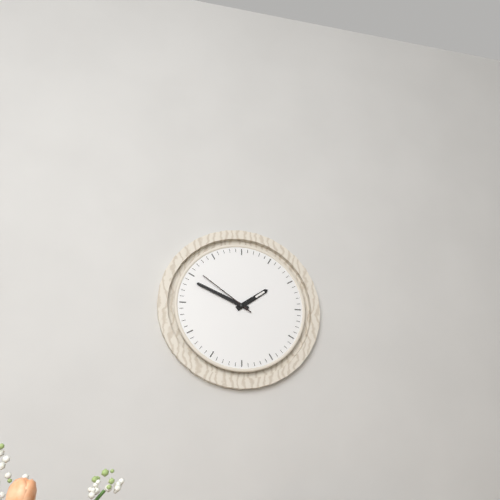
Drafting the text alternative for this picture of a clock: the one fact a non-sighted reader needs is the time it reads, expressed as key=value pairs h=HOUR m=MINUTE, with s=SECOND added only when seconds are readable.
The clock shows h=1 m=49 s=51
